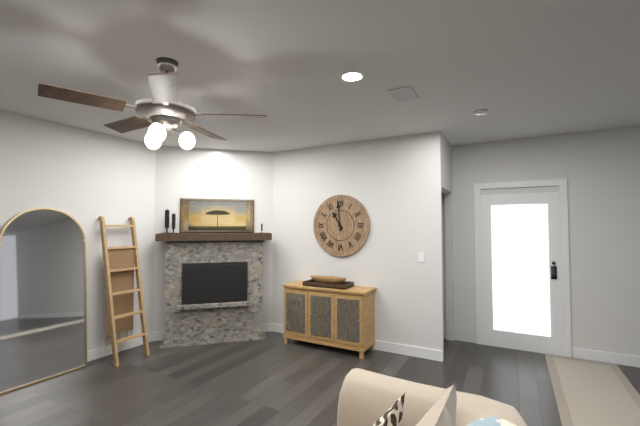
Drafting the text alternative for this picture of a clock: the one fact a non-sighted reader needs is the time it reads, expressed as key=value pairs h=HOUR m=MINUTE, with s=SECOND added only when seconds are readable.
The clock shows h=10 m=59
